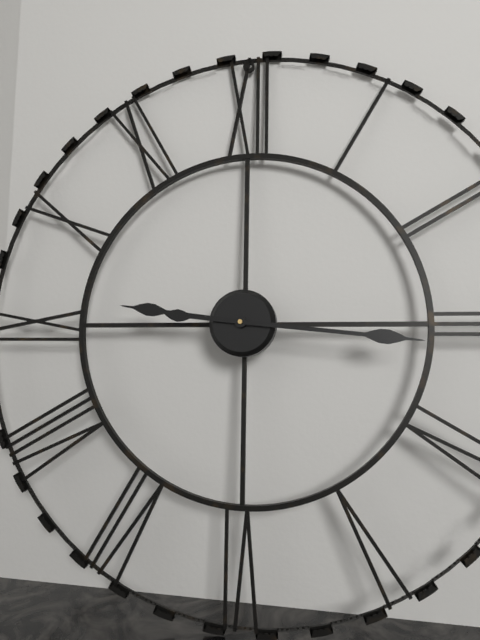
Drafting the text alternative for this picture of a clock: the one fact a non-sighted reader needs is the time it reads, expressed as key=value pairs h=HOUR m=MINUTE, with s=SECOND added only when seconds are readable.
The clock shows h=9 m=16
